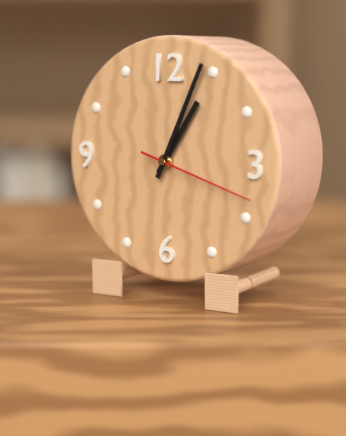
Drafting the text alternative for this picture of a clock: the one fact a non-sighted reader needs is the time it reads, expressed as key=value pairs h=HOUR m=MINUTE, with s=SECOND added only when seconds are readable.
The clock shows h=1 m=4 s=18
